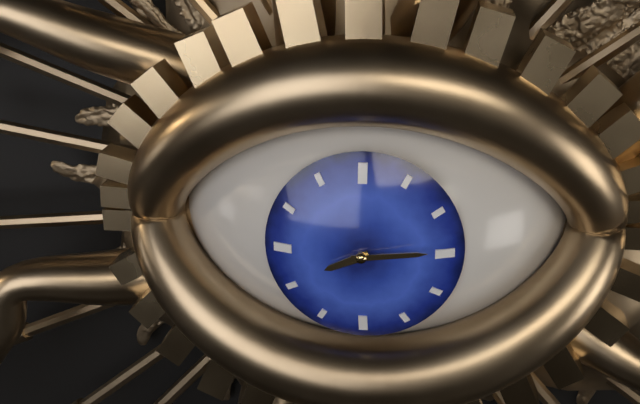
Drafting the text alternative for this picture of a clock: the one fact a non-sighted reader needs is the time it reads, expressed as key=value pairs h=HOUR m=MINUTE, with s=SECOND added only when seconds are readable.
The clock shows h=8 m=14
